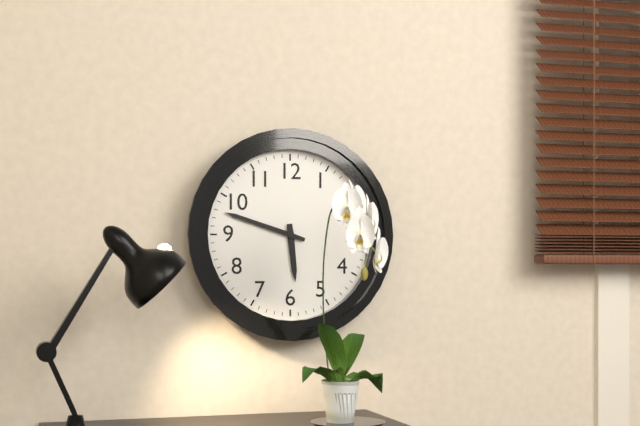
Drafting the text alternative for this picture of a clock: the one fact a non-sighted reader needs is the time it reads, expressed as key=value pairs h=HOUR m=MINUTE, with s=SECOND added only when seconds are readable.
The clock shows h=5 m=48
